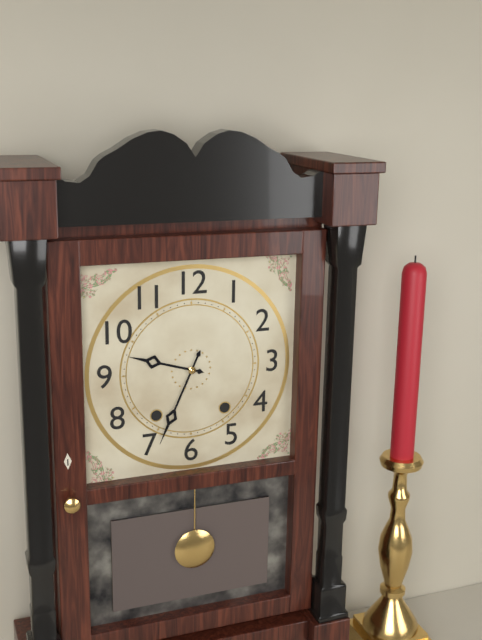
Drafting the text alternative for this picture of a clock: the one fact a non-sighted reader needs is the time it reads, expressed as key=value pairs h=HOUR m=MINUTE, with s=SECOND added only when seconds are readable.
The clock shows h=9 m=34
